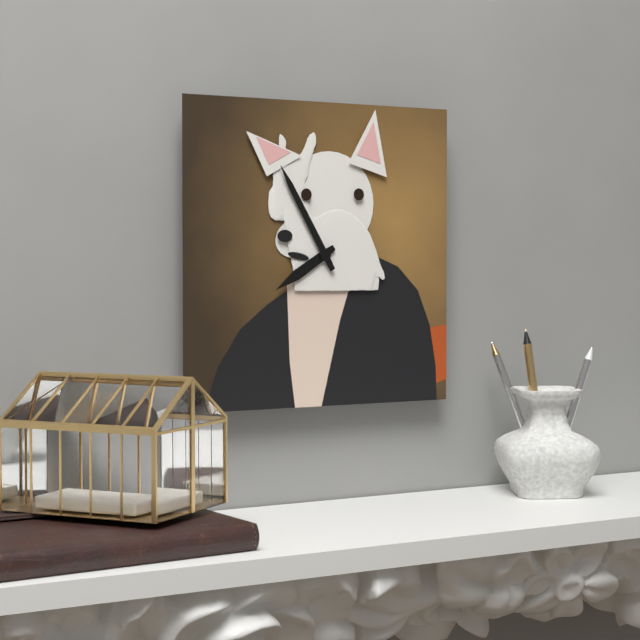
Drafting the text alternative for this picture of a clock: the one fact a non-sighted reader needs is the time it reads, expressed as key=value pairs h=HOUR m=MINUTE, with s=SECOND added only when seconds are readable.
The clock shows h=7 m=55
